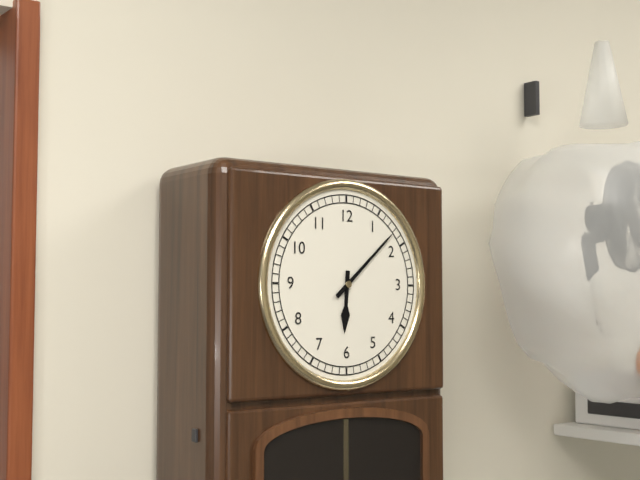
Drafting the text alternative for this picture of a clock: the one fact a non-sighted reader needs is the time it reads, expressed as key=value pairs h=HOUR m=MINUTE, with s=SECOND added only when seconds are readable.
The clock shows h=6 m=8
